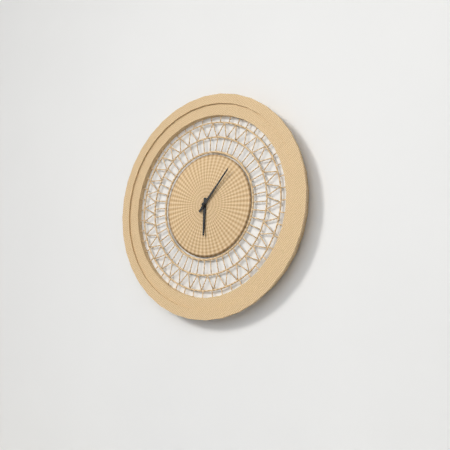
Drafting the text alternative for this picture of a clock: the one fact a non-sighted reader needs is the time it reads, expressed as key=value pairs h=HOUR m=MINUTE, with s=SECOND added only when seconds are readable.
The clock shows h=6 m=7
